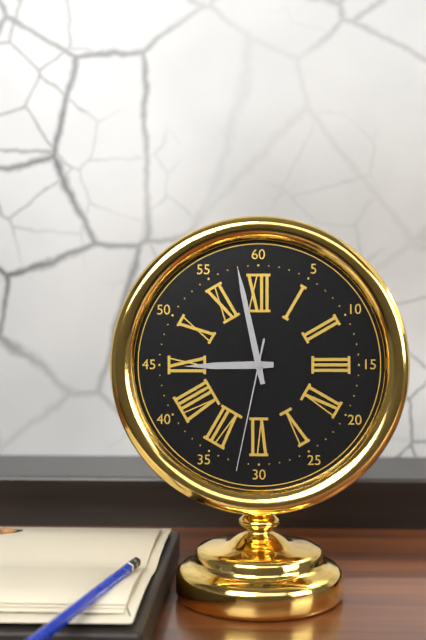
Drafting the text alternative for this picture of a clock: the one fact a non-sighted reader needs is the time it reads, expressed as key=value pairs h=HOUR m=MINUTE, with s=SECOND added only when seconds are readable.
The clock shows h=8 m=58 s=32
